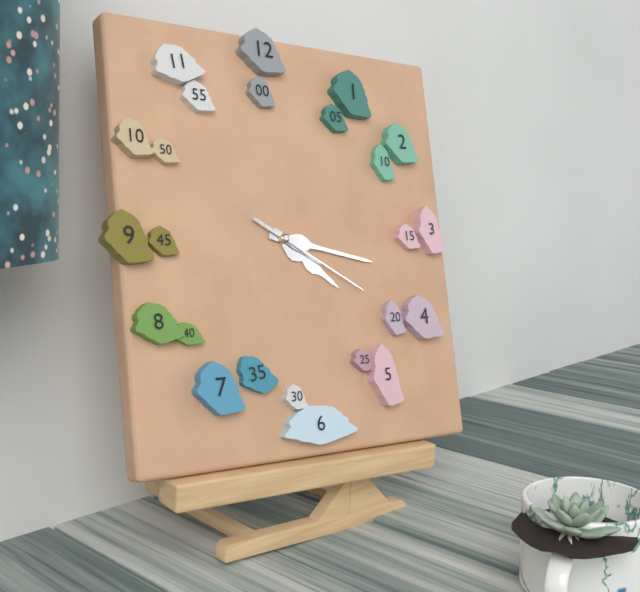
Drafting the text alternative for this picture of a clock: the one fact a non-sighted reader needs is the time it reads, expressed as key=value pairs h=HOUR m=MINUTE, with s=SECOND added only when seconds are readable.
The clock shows h=4 m=17 s=20
